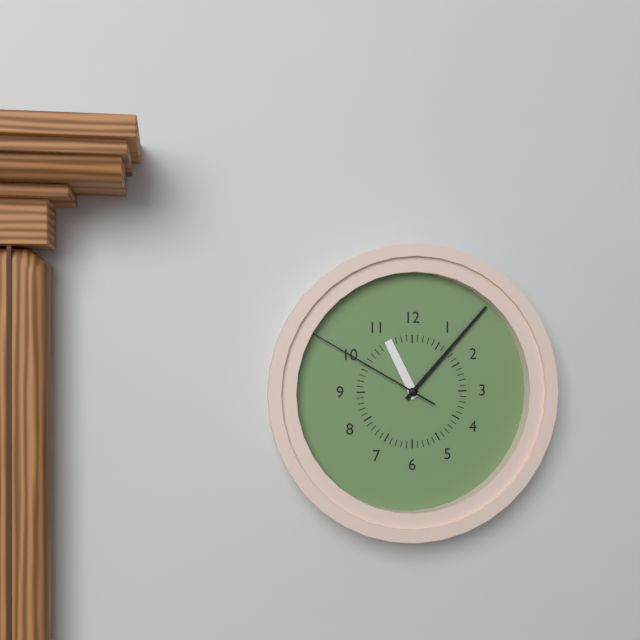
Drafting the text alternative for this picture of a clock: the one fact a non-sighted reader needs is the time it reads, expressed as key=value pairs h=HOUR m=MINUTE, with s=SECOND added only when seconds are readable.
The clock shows h=11 m=7 s=50
